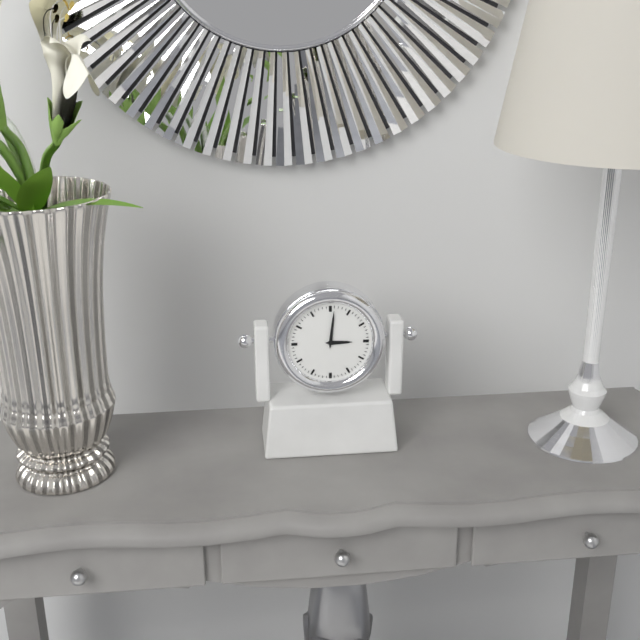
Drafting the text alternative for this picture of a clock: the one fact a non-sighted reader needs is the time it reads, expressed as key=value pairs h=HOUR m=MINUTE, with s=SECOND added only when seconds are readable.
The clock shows h=3 m=1
